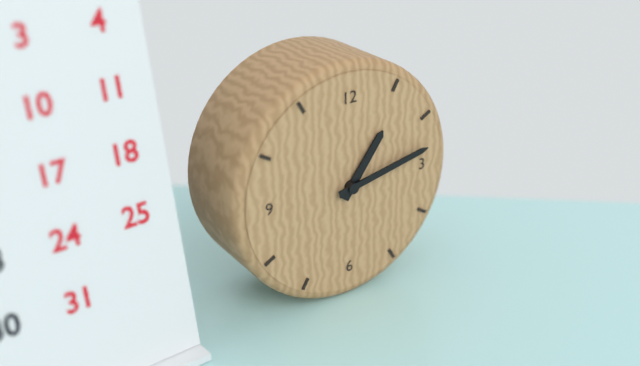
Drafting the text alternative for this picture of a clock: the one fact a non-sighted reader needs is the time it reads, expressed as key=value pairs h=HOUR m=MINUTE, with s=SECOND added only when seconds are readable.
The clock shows h=1 m=13
